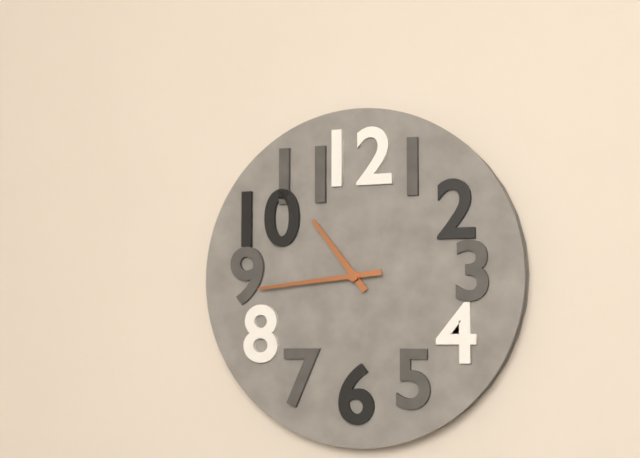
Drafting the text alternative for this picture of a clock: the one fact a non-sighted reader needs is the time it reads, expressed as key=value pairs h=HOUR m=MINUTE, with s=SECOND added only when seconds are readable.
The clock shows h=10 m=44
